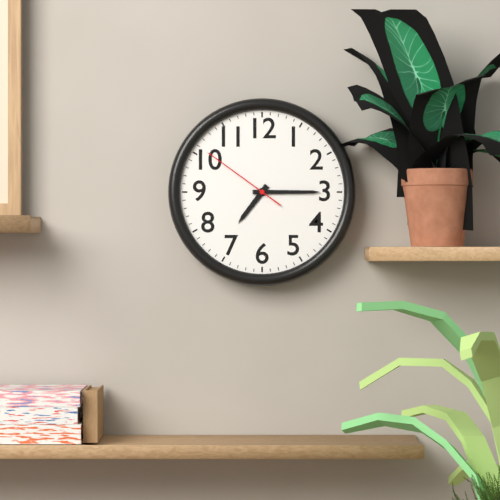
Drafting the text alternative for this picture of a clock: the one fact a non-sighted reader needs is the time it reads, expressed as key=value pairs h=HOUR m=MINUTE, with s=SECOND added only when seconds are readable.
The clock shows h=7 m=15 s=51
